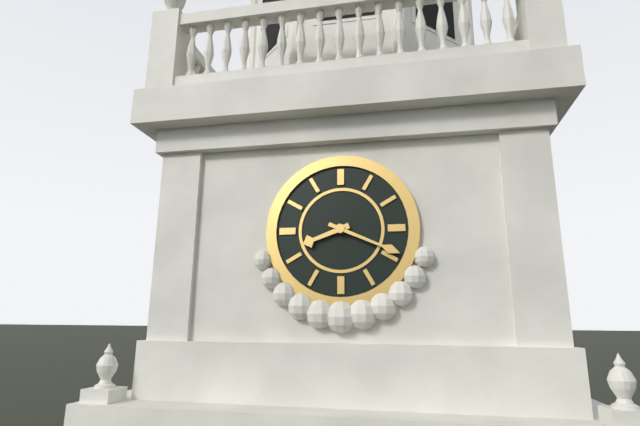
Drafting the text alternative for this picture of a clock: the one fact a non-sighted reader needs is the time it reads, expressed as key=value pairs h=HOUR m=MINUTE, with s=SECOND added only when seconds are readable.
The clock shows h=8 m=19
